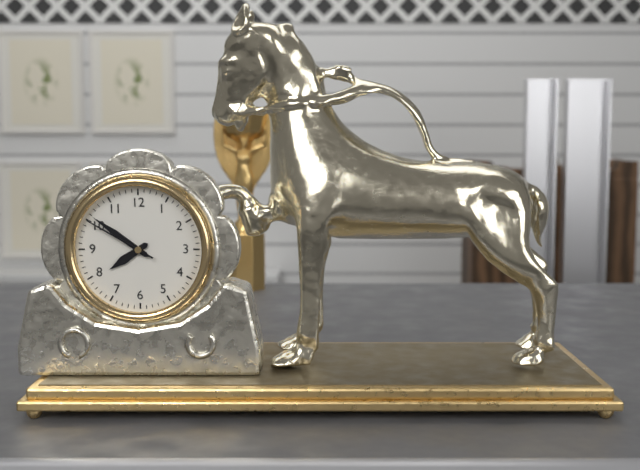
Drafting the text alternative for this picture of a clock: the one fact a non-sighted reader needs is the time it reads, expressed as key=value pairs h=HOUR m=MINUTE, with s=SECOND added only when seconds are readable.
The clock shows h=7 m=51 s=50
